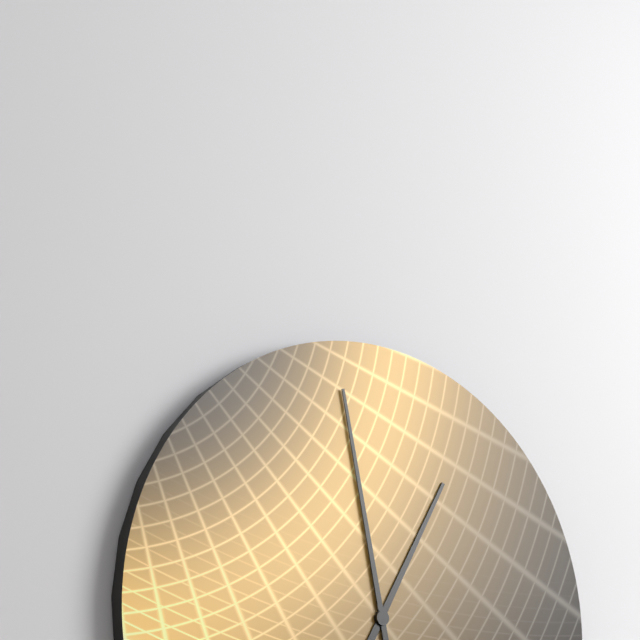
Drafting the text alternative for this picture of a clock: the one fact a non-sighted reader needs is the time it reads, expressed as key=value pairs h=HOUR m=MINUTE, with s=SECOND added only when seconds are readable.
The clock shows h=12 m=58
